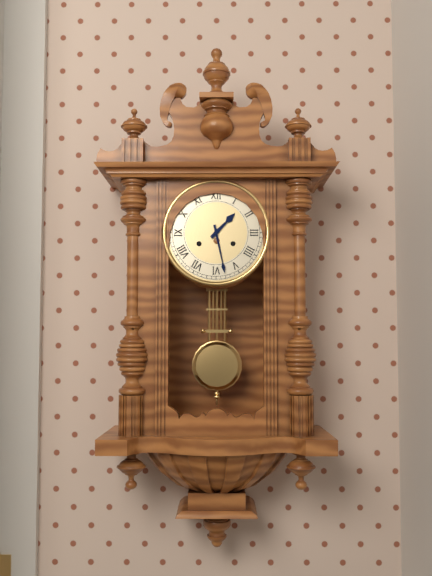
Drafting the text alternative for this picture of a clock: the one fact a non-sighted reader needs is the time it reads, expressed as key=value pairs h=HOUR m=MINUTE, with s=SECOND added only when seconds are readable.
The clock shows h=1 m=28
